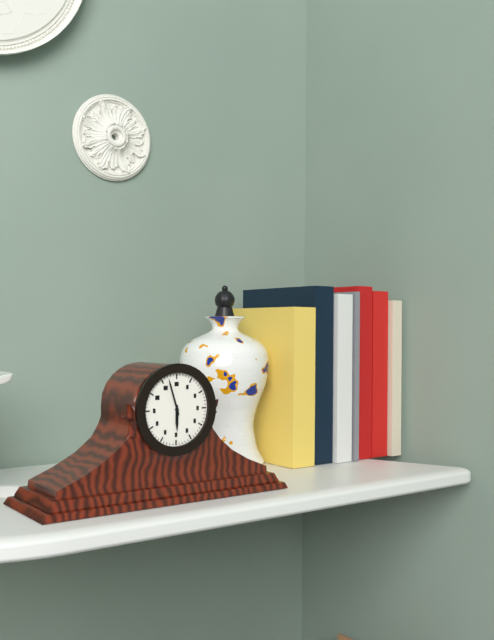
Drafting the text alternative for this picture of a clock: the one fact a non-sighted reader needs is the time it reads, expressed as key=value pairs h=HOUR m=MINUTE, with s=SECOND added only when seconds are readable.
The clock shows h=5 m=57
